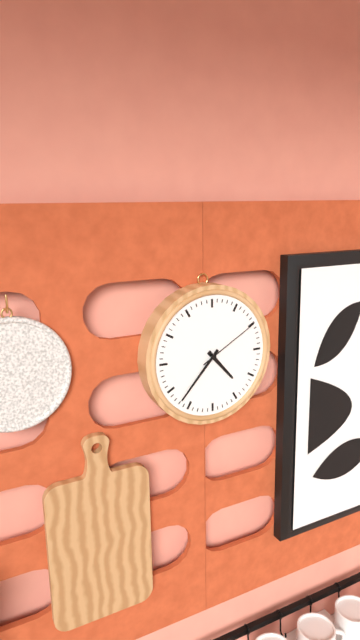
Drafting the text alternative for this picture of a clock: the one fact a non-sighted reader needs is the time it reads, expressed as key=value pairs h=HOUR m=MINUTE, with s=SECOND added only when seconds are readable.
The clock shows h=4 m=37 s=10
